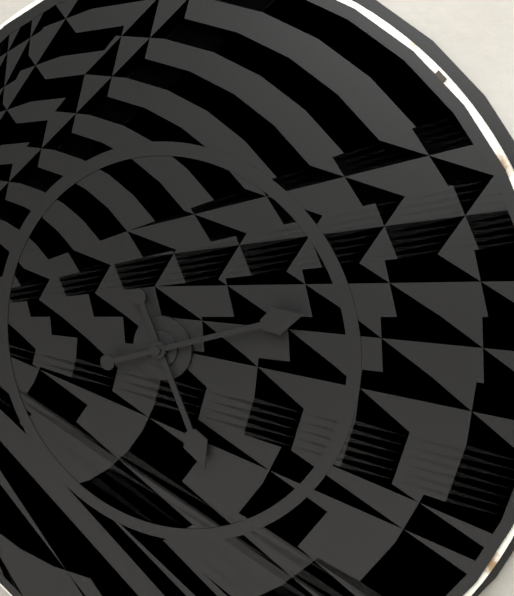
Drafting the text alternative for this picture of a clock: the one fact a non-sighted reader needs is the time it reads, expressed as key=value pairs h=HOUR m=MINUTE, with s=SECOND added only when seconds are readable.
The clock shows h=5 m=12
